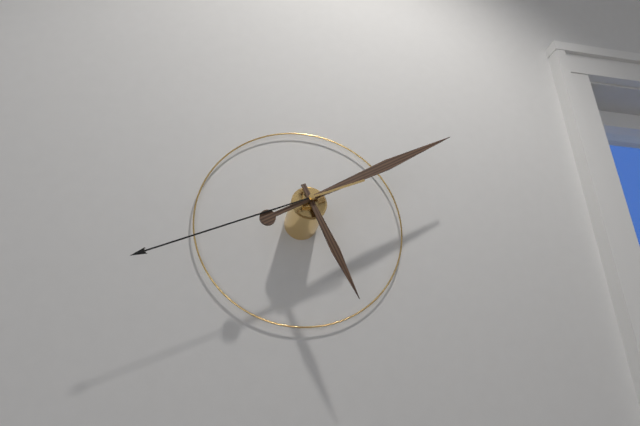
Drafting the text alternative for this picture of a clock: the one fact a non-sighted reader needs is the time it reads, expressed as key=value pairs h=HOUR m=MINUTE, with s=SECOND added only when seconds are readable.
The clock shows h=5 m=10 s=41
